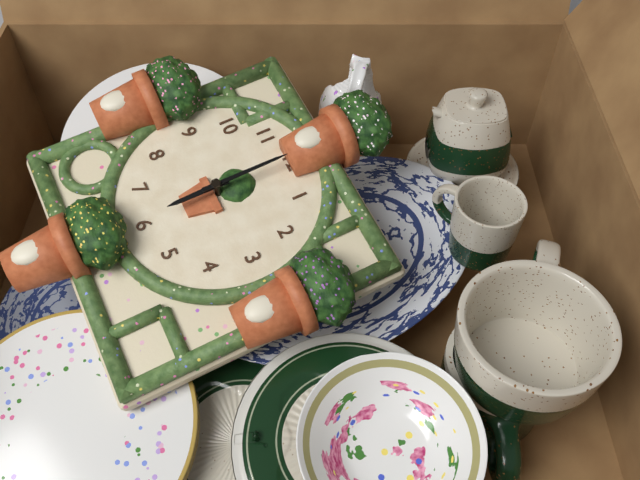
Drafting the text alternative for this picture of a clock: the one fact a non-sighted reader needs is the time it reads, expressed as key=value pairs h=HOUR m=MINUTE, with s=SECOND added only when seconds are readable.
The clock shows h=6 m=0
